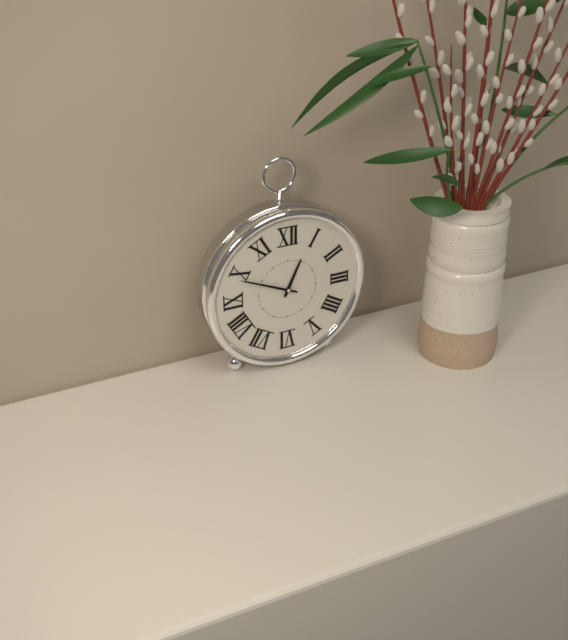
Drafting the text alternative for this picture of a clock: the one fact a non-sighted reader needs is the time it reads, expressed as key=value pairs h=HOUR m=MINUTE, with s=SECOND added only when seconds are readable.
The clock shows h=12 m=49
